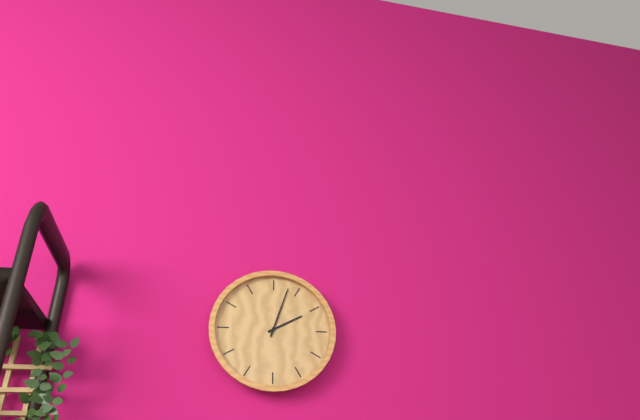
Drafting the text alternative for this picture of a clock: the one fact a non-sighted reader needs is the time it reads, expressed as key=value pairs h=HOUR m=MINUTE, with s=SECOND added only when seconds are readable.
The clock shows h=2 m=3
